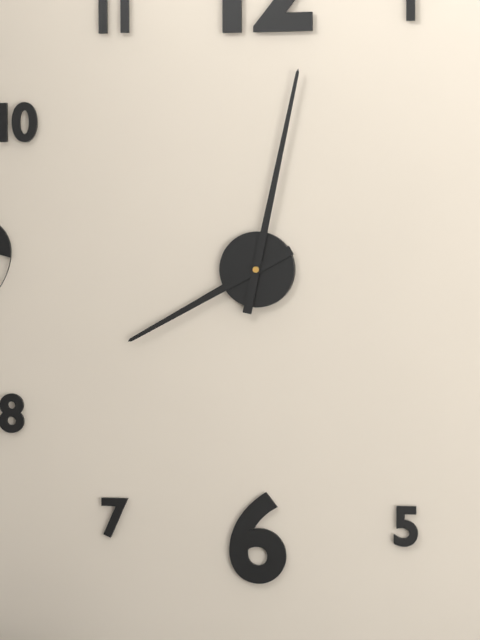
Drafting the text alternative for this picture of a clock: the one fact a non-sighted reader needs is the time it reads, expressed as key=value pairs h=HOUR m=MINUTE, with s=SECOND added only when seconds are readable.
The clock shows h=8 m=2
